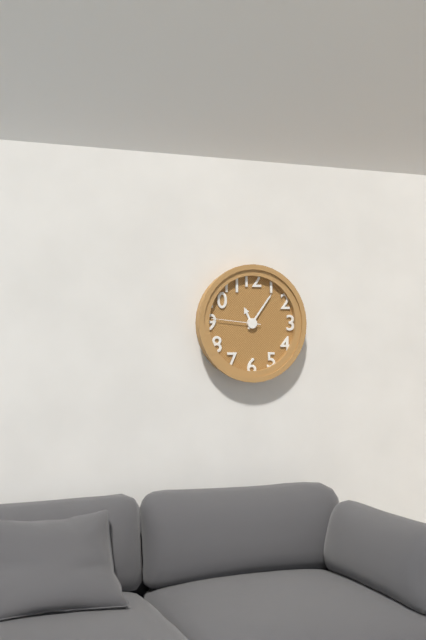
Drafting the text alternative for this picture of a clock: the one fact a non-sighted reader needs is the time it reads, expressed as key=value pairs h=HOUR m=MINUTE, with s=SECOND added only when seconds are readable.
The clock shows h=11 m=6 s=46
